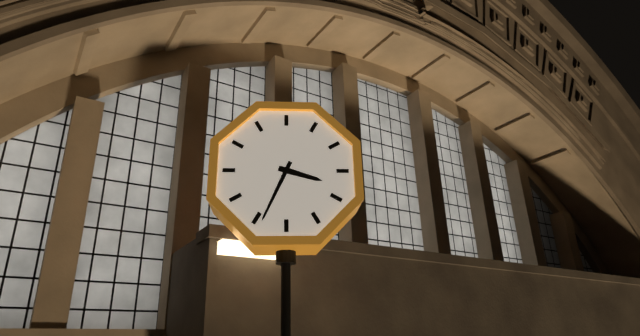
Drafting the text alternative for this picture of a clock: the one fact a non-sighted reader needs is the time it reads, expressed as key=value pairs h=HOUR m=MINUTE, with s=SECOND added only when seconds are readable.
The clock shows h=3 m=34
